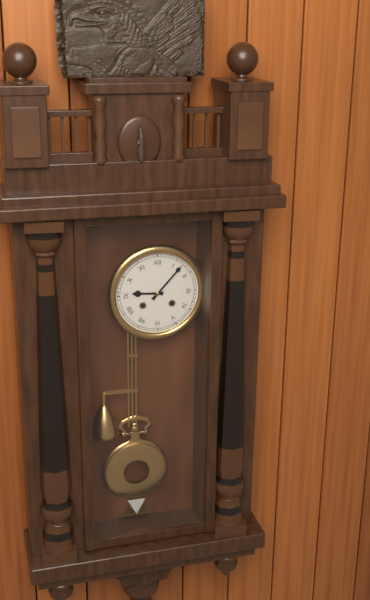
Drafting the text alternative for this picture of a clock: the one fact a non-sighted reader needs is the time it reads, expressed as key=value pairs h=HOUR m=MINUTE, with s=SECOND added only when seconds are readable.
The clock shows h=9 m=7
